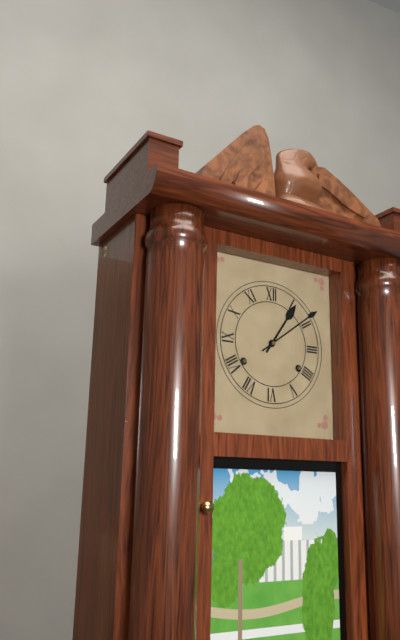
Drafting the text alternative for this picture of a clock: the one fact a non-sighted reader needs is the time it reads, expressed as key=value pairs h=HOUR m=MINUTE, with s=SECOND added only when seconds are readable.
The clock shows h=1 m=9
